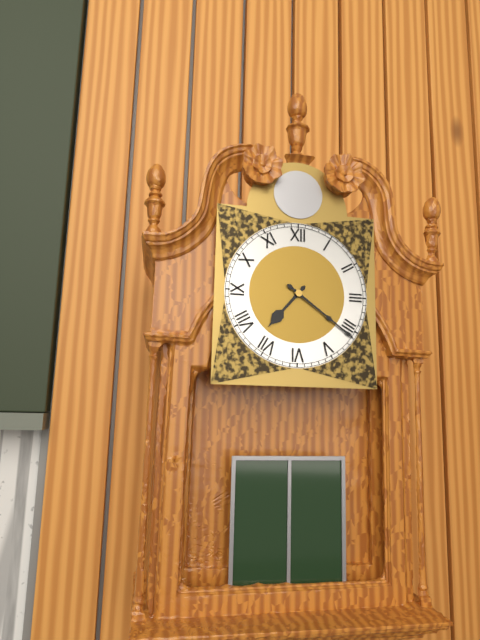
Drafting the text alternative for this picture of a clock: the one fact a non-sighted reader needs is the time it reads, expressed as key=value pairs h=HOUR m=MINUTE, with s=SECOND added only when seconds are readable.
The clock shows h=7 m=21
